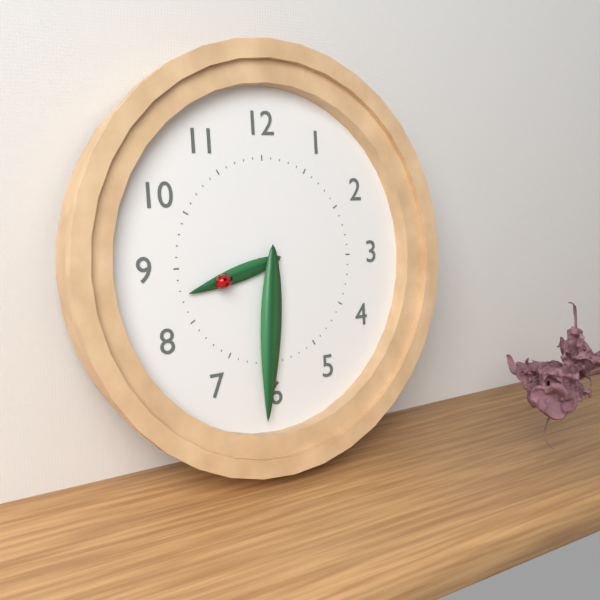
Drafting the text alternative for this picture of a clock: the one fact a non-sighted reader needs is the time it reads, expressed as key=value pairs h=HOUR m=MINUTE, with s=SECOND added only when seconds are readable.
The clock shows h=8 m=31
